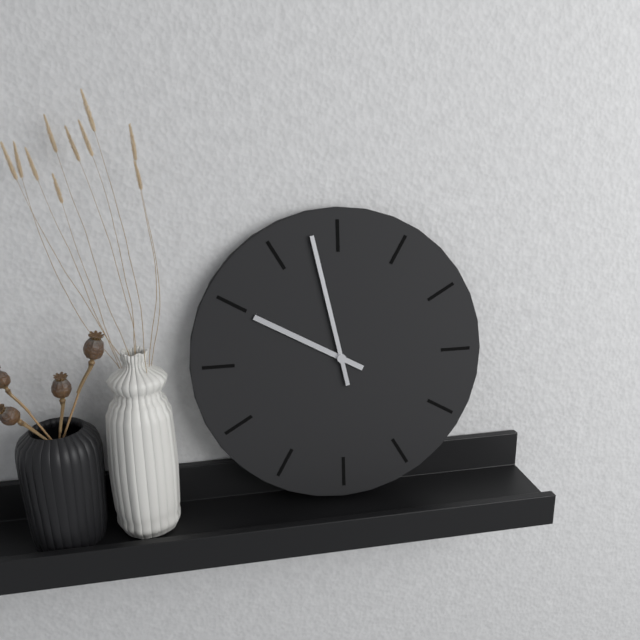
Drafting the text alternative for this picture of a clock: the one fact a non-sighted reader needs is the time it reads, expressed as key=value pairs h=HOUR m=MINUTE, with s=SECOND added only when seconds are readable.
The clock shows h=9 m=58
